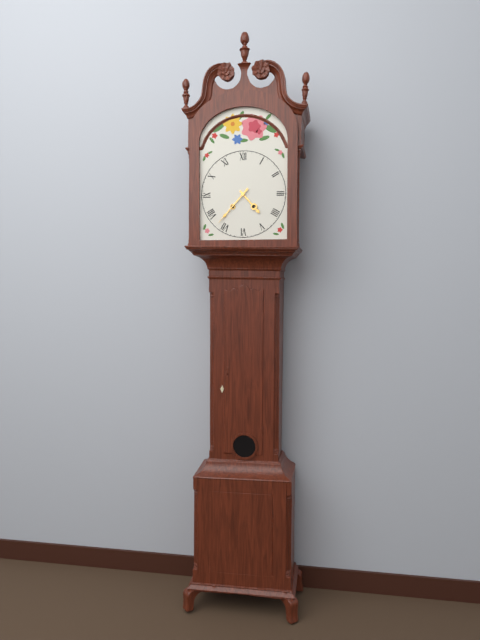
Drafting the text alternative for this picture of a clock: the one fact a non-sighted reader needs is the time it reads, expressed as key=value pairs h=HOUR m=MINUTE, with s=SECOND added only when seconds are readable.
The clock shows h=4 m=37
